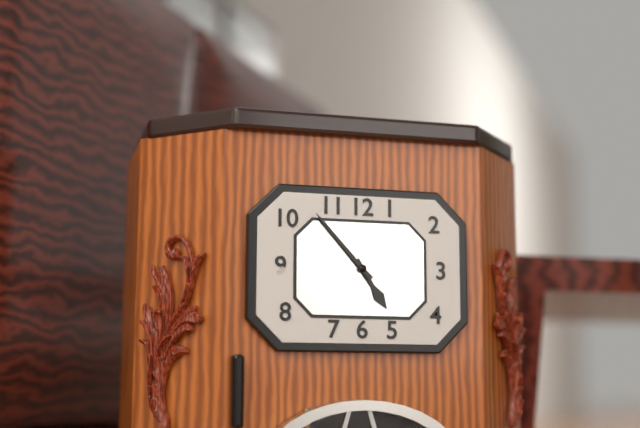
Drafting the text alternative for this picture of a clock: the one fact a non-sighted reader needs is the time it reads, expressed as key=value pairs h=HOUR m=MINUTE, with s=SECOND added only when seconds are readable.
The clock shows h=4 m=53
